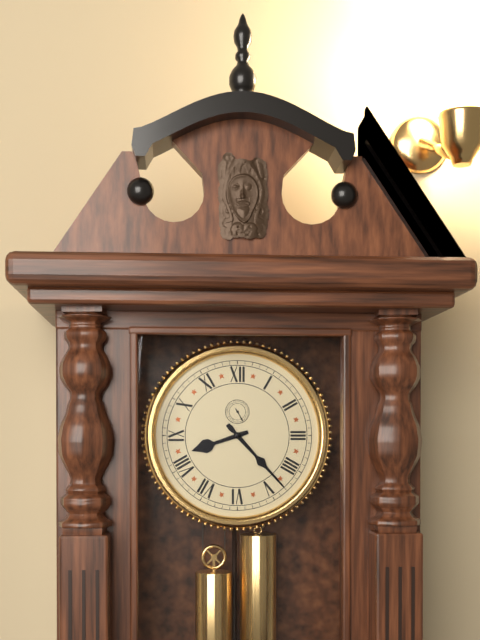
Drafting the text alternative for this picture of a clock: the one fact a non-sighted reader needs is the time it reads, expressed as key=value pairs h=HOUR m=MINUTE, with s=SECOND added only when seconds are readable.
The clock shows h=8 m=23
